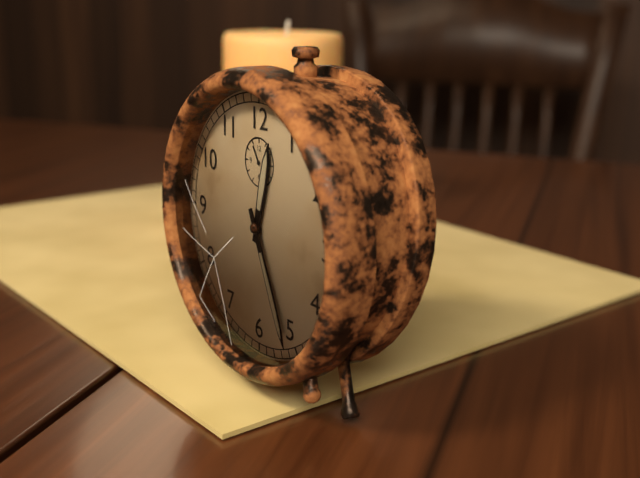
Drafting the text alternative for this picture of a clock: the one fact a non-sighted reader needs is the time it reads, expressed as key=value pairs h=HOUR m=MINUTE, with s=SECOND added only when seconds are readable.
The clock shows h=12 m=26
